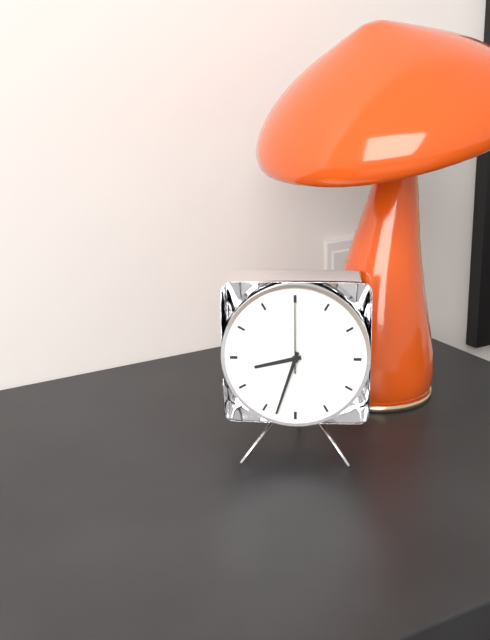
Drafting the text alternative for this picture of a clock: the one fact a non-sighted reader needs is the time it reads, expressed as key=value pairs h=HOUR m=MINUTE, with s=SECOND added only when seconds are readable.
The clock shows h=8 m=33 s=0
